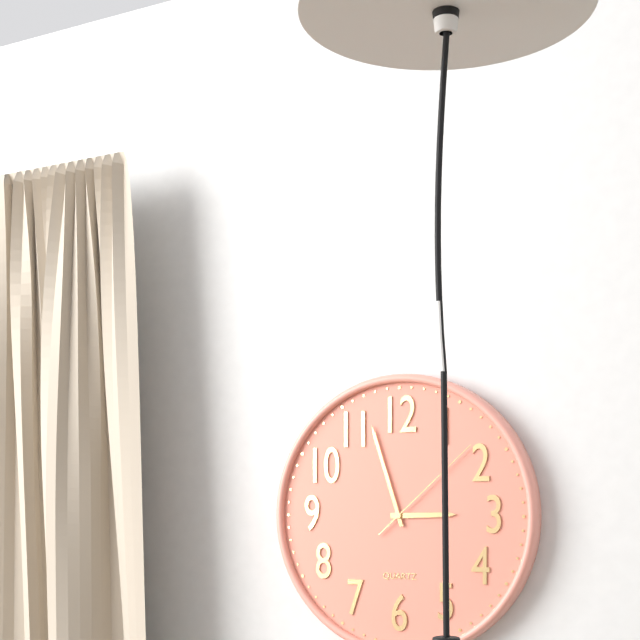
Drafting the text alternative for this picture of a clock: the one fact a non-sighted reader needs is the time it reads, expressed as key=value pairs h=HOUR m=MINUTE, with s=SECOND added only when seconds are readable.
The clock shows h=2 m=57 s=8
